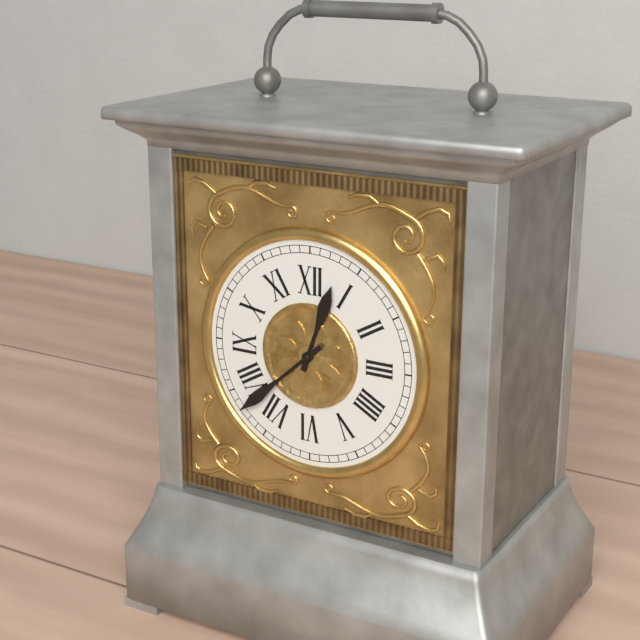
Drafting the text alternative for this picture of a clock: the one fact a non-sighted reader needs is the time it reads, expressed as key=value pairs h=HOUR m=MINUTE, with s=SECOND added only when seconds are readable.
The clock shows h=12 m=38
